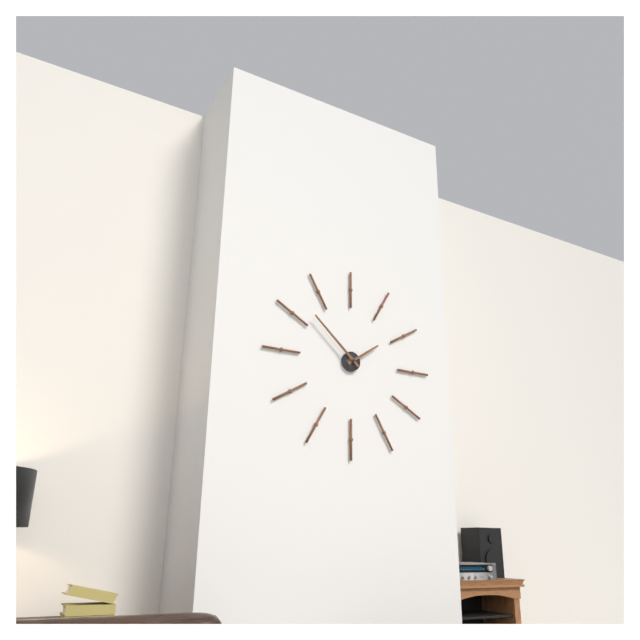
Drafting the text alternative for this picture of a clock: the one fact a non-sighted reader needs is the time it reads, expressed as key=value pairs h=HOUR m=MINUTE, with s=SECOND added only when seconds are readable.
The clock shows h=1 m=52
